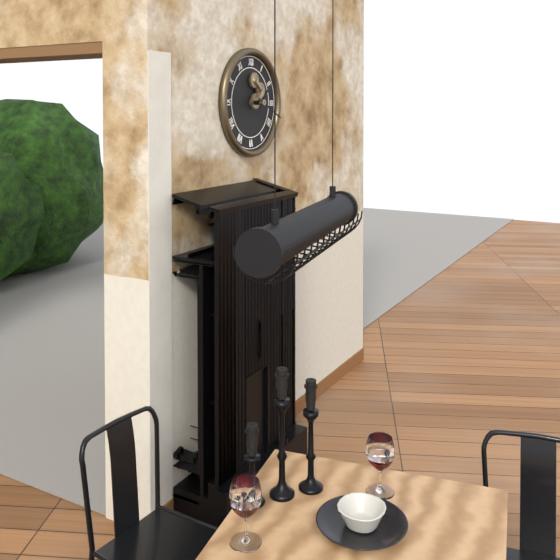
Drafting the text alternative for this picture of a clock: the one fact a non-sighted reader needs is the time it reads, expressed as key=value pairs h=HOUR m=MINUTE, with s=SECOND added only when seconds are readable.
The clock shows h=1 m=19
